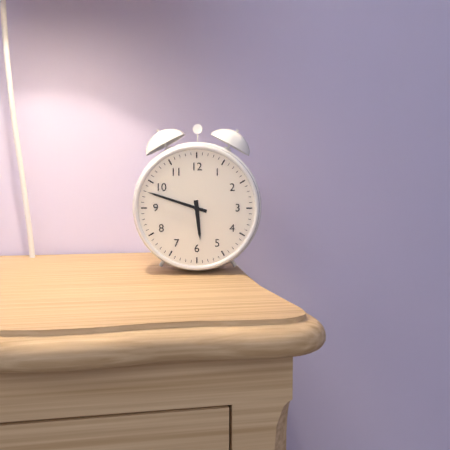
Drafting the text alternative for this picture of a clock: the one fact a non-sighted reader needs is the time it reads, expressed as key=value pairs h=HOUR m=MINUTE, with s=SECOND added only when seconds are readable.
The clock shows h=5 m=48
